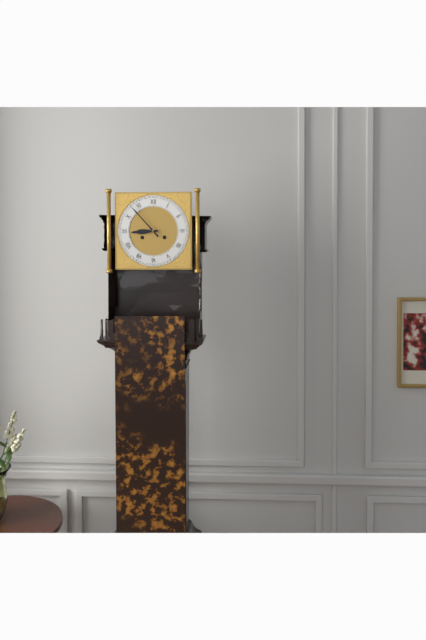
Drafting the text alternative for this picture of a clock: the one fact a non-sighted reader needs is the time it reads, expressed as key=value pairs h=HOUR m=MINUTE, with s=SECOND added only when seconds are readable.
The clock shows h=8 m=53
